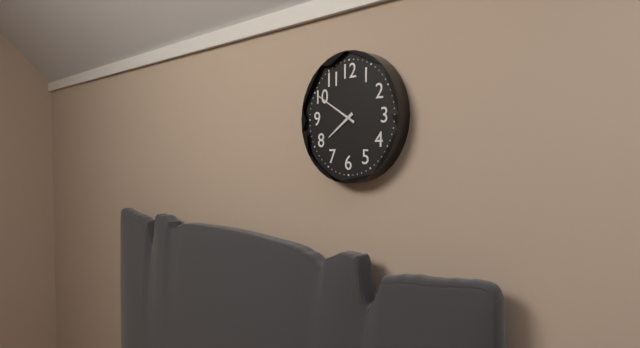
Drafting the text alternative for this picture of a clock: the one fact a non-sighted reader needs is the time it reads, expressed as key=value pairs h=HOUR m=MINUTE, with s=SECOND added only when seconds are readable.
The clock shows h=7 m=50
